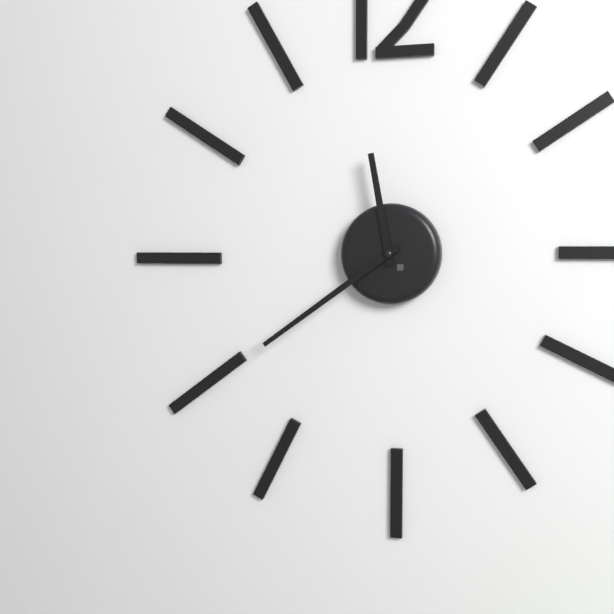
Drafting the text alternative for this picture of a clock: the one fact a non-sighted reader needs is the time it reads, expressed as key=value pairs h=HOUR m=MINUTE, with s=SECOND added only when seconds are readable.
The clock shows h=11 m=39
